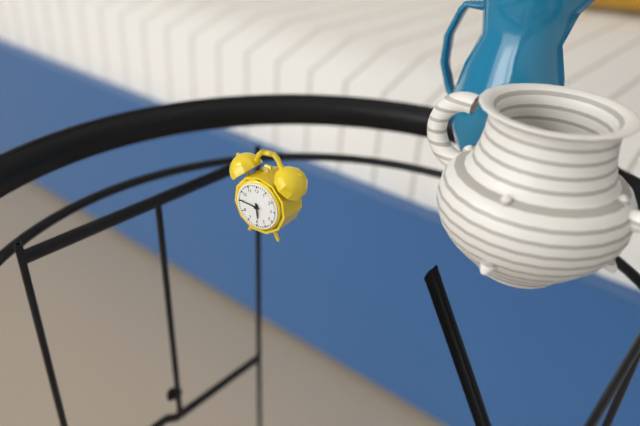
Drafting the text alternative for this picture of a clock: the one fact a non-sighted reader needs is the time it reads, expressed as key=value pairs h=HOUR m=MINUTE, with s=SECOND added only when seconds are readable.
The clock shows h=5 m=46
